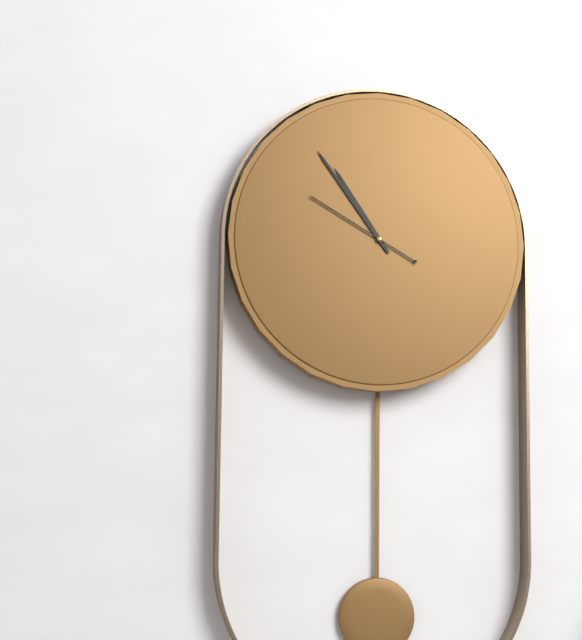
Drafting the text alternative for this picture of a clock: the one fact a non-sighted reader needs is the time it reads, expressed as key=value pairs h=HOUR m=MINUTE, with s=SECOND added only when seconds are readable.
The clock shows h=10 m=54 s=50
